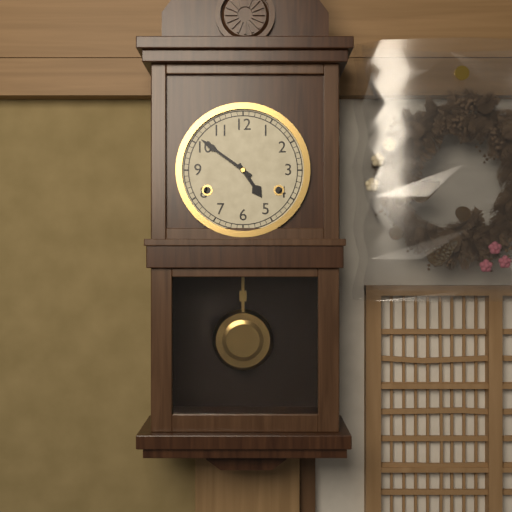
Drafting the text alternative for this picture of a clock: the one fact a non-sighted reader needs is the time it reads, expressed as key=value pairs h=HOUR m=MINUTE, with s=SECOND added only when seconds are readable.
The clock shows h=4 m=51
